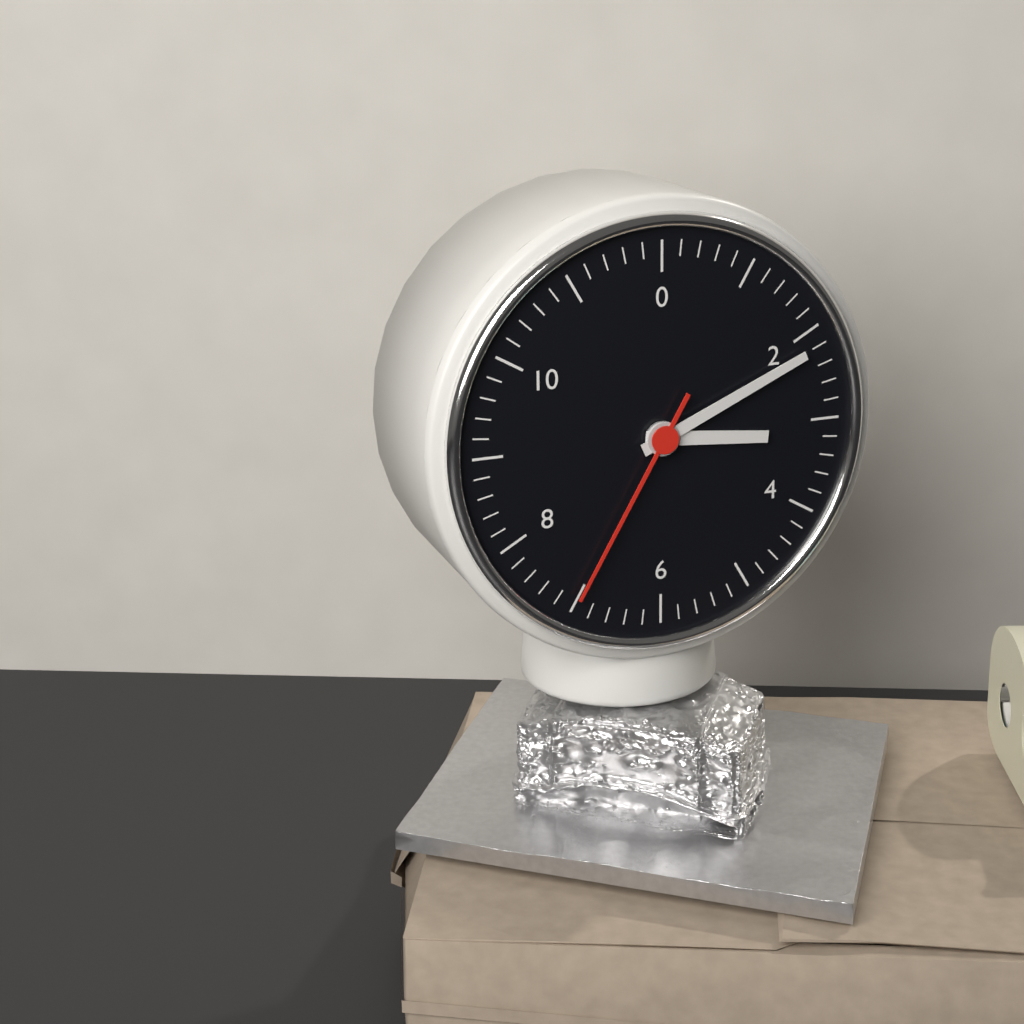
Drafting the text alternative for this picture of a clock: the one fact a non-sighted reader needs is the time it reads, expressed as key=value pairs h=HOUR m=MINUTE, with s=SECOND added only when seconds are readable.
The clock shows h=3 m=11 s=35
